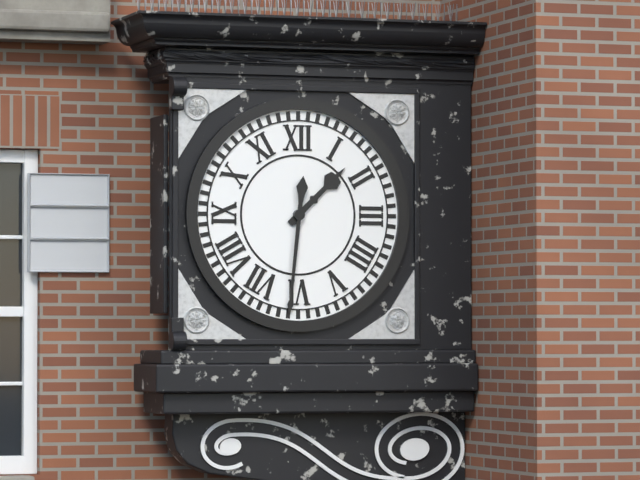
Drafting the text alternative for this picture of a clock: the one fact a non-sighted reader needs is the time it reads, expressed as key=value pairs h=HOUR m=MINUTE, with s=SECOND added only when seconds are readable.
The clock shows h=1 m=31
